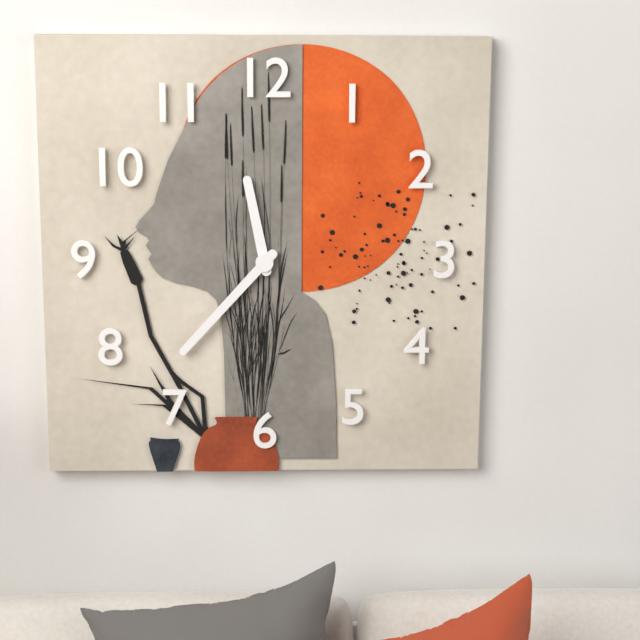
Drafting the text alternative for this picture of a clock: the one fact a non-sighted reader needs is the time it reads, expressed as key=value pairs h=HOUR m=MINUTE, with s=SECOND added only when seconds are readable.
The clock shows h=11 m=37
